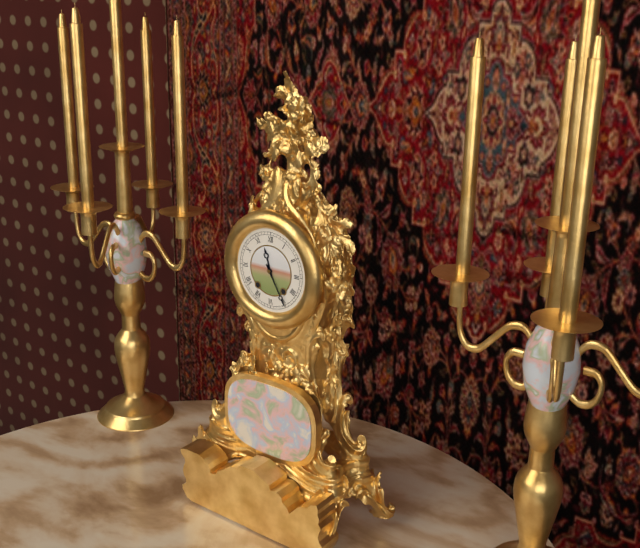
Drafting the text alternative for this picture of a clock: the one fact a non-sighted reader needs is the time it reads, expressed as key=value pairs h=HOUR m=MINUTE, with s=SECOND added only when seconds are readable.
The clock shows h=11 m=25
